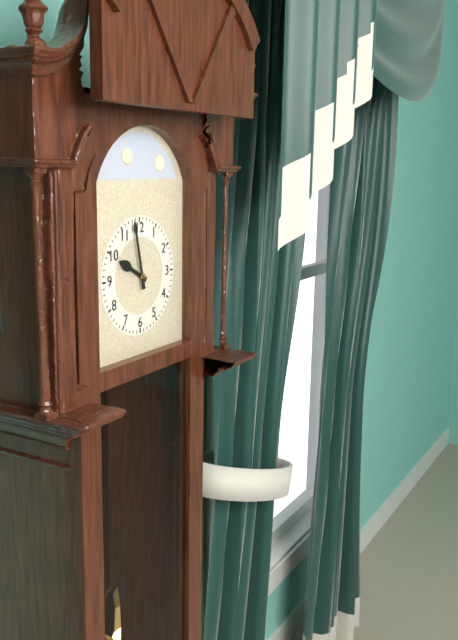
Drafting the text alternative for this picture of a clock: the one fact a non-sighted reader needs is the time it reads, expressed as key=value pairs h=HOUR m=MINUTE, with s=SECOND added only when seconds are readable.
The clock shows h=9 m=58
